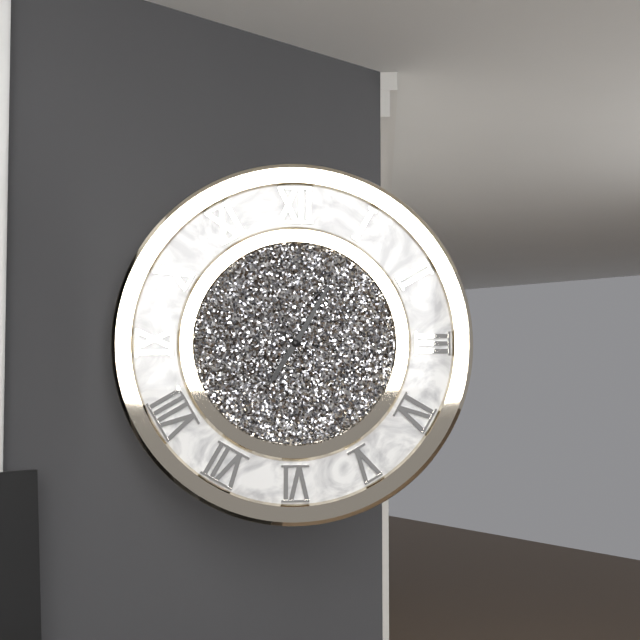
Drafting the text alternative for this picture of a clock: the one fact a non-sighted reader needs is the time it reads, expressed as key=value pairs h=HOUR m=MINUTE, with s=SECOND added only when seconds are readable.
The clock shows h=7 m=5
